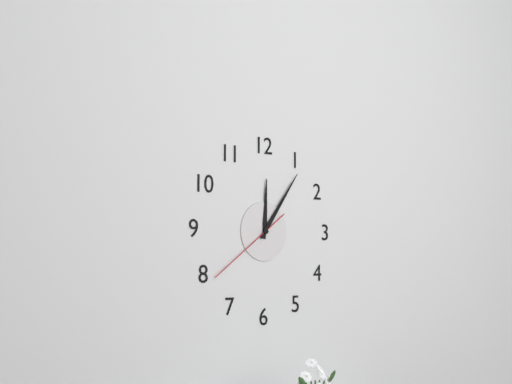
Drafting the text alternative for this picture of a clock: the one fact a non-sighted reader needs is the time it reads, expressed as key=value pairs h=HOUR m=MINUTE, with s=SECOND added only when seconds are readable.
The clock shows h=12 m=6 s=39
